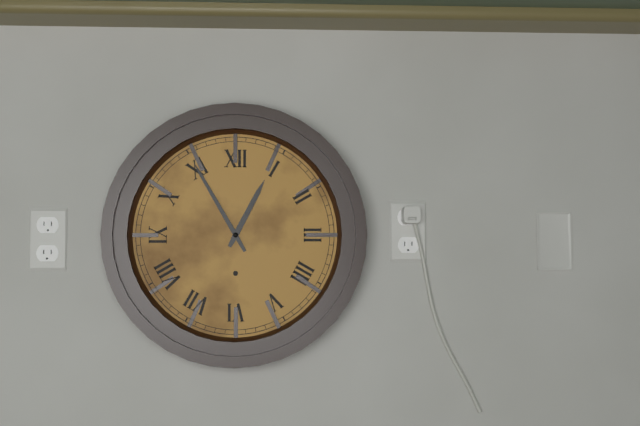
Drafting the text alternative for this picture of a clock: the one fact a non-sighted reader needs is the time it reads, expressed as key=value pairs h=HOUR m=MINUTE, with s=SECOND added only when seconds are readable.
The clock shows h=12 m=55
